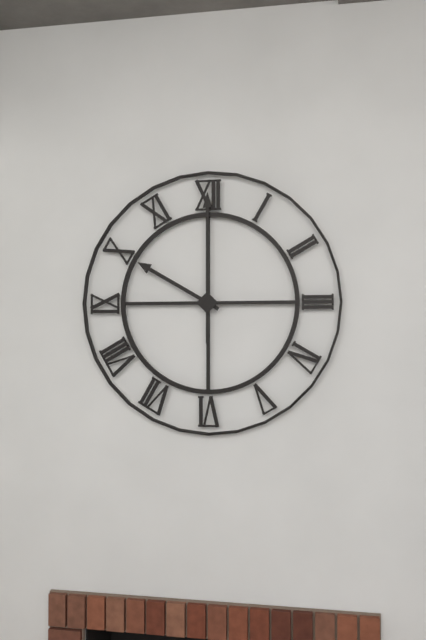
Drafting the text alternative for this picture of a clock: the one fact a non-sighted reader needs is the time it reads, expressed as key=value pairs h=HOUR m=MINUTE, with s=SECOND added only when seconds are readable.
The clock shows h=10 m=0
